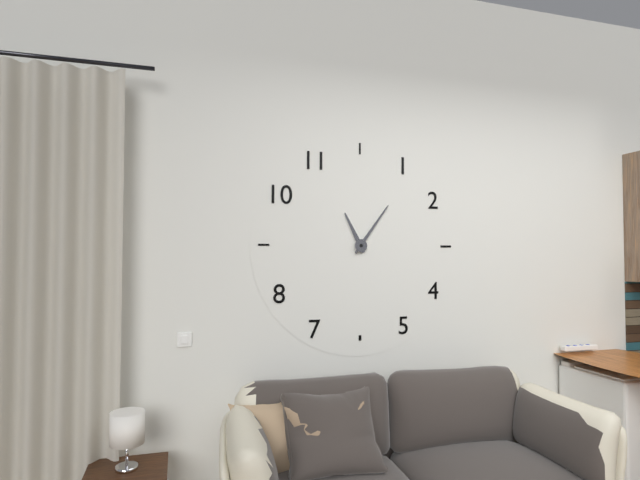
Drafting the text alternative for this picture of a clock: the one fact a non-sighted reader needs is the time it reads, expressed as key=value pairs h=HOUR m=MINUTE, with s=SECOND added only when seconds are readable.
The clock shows h=11 m=6
